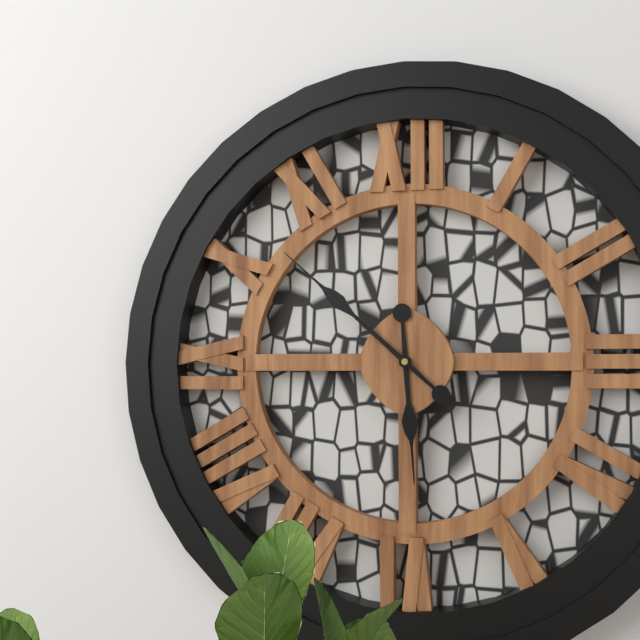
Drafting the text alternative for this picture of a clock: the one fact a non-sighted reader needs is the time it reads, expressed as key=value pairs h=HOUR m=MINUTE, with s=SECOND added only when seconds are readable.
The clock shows h=5 m=52
